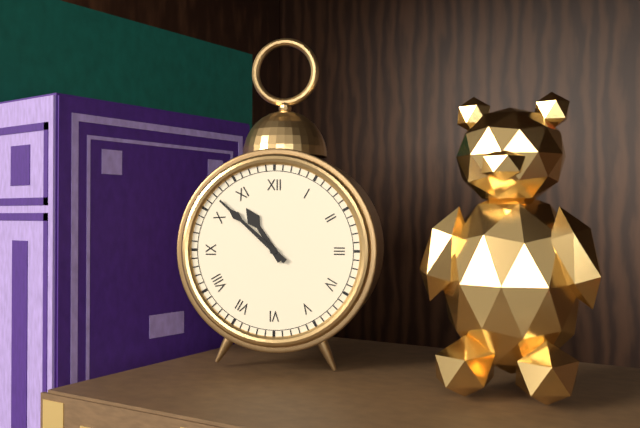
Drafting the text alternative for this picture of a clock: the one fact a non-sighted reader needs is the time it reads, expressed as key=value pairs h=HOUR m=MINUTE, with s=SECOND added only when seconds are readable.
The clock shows h=10 m=52
